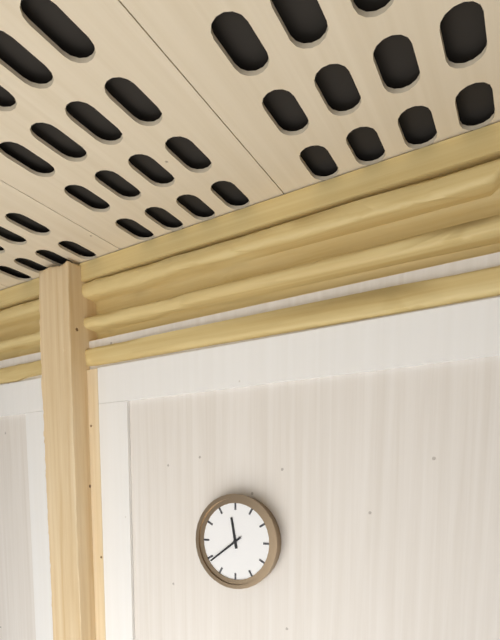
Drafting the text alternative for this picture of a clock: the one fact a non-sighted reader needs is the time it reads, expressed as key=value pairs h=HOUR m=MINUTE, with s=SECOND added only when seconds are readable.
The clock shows h=11 m=39
